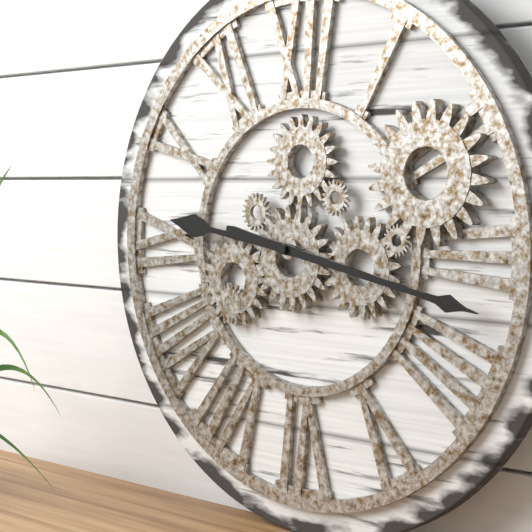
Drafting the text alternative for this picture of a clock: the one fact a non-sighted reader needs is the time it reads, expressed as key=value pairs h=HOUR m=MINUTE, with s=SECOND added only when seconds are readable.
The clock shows h=9 m=17
